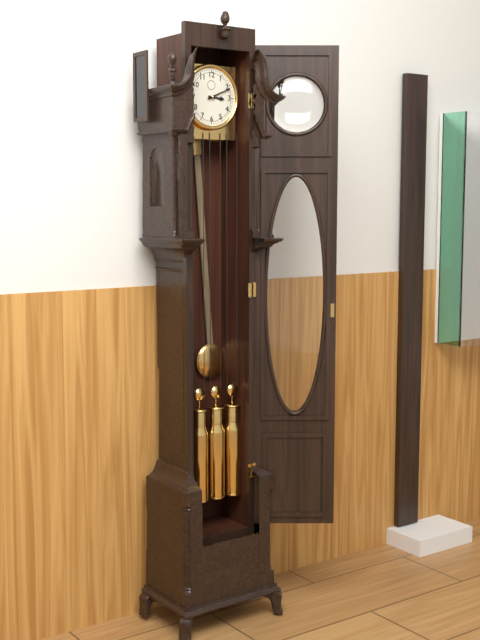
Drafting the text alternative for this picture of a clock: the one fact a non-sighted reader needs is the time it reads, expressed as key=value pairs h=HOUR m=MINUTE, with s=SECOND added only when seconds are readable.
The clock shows h=3 m=11
